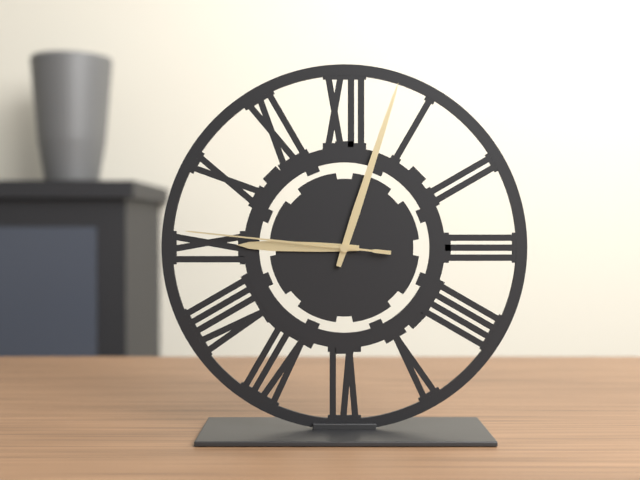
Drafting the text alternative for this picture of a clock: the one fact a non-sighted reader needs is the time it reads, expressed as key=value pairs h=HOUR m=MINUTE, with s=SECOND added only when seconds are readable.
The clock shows h=9 m=3 s=46
